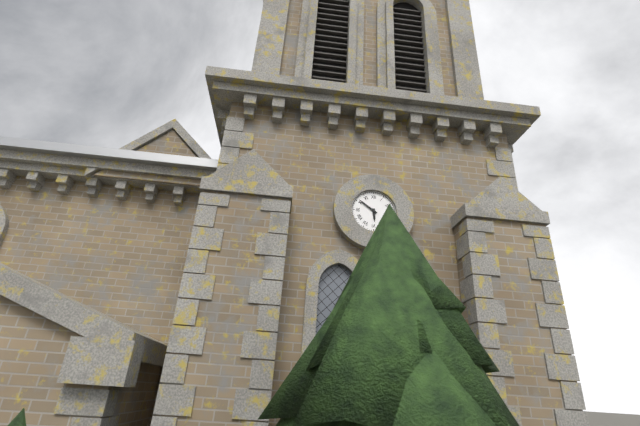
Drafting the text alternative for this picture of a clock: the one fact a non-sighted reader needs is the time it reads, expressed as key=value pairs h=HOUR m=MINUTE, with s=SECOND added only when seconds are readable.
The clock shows h=5 m=51
